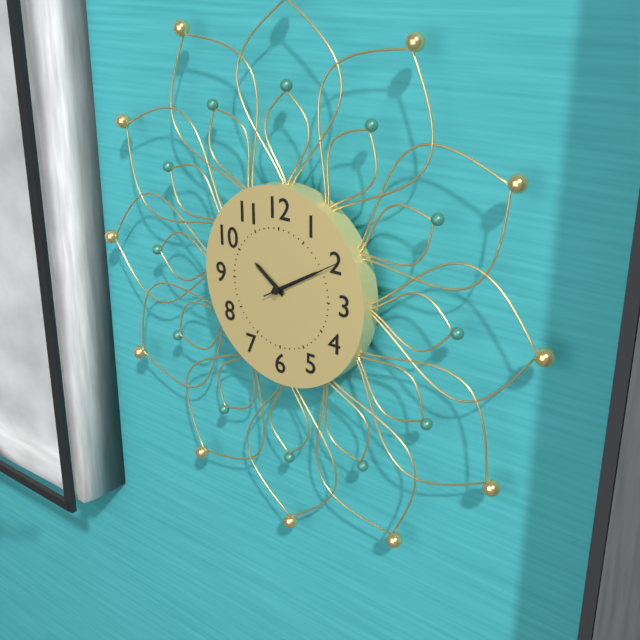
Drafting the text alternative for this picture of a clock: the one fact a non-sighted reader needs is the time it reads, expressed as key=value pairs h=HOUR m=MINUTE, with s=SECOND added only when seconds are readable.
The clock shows h=10 m=10
